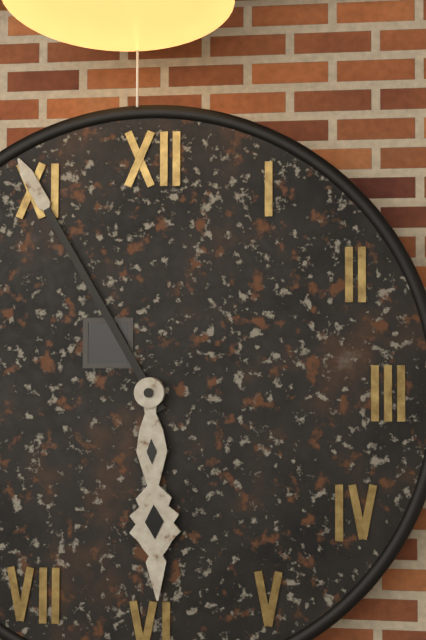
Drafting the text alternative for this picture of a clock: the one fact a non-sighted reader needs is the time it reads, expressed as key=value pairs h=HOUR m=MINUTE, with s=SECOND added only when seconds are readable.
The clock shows h=5 m=55
